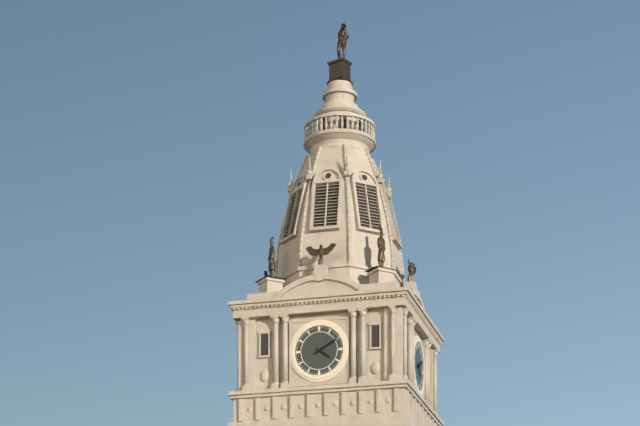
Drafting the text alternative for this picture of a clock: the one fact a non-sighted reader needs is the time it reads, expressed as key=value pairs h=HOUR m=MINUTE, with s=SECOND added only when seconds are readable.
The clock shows h=4 m=10
